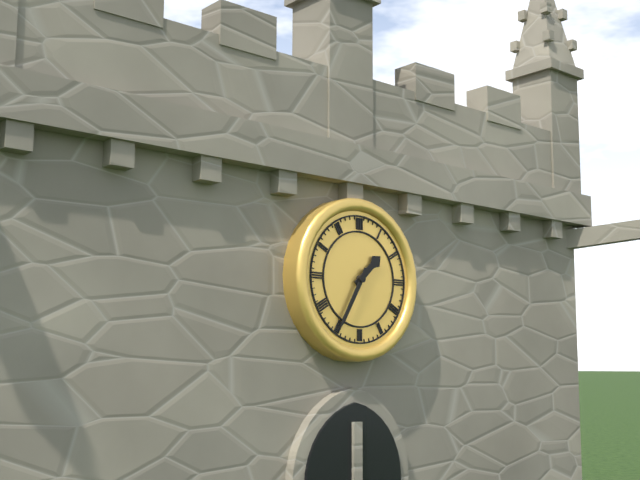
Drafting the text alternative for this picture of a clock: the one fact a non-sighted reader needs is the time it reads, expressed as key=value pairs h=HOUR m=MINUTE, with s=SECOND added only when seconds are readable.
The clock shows h=1 m=35
